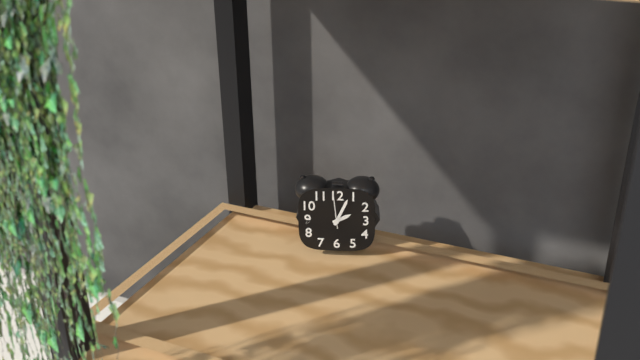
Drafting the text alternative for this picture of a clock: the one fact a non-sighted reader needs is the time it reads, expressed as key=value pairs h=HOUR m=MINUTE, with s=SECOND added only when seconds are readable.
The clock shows h=2 m=4
